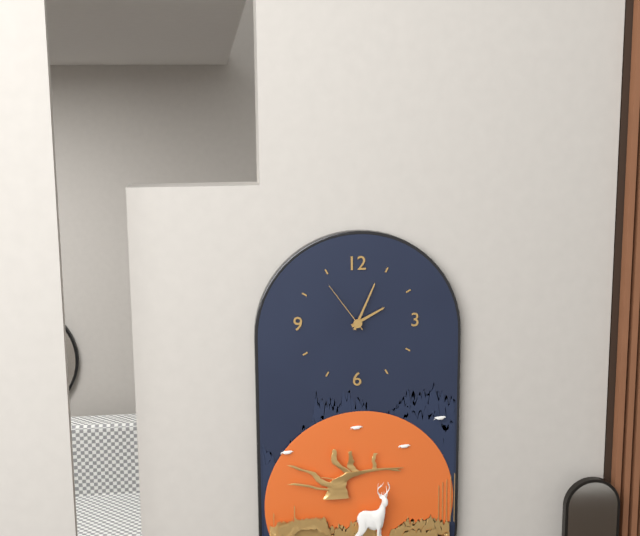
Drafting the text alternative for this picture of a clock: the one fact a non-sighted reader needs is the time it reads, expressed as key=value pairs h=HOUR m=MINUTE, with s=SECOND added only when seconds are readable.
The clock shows h=2 m=4 s=54
